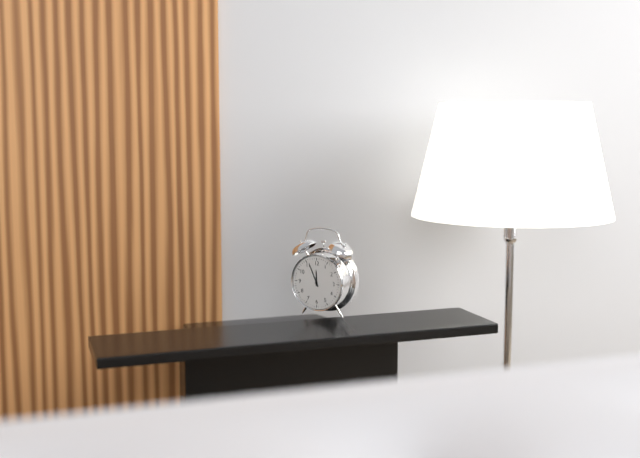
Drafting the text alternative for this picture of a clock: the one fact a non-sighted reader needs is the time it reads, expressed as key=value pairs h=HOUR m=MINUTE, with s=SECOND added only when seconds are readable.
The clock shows h=11 m=56
